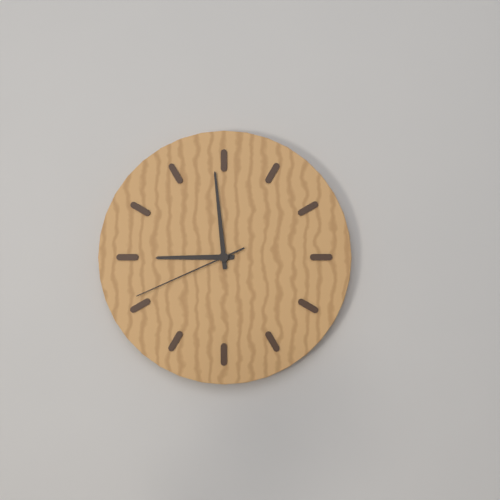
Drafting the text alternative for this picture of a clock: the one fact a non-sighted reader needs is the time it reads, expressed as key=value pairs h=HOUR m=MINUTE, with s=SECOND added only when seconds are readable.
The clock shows h=8 m=59 s=41
